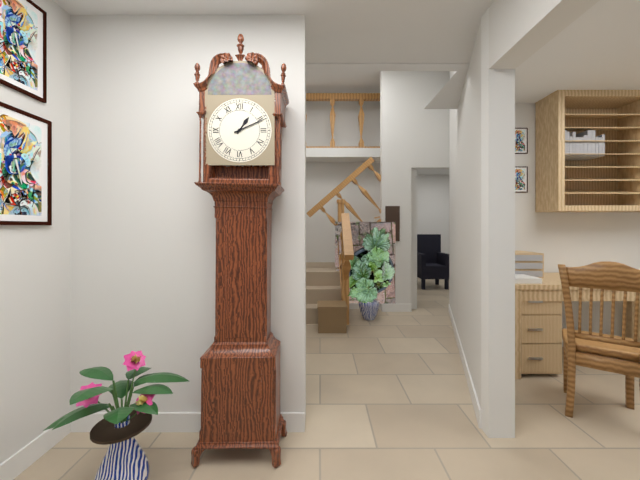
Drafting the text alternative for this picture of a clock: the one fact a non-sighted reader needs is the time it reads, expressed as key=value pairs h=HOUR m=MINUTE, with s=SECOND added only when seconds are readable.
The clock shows h=1 m=11
